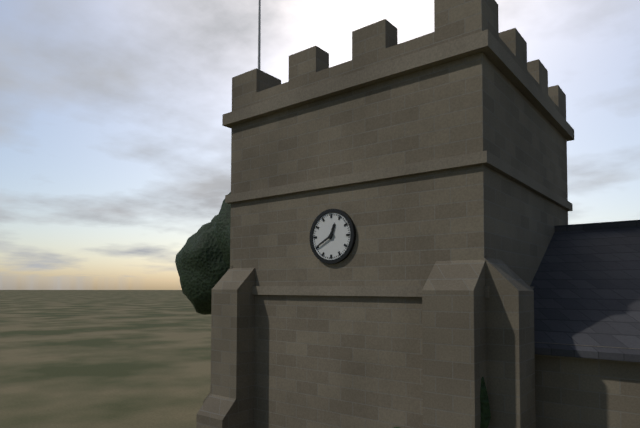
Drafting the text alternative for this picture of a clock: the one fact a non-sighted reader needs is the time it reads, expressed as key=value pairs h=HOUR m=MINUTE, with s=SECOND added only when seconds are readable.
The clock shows h=12 m=40
